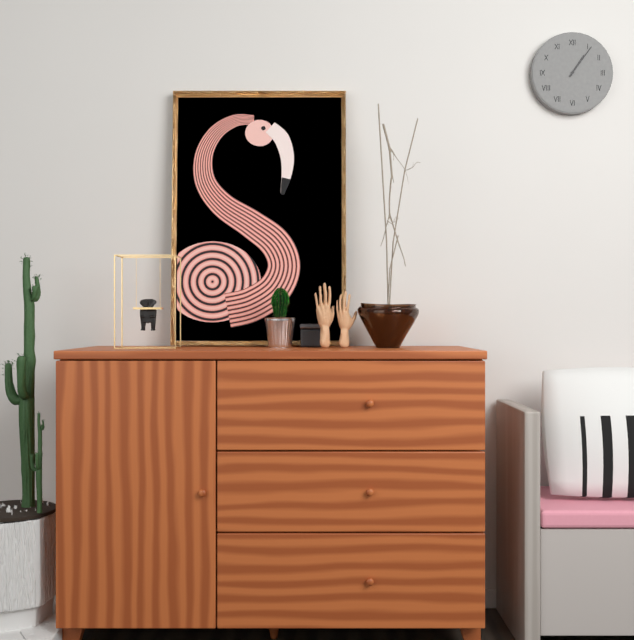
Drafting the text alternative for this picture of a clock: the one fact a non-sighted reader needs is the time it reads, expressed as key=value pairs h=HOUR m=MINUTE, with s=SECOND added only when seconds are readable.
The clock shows h=1 m=6
